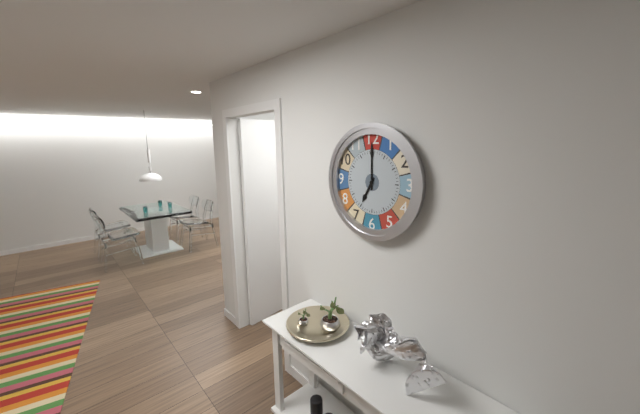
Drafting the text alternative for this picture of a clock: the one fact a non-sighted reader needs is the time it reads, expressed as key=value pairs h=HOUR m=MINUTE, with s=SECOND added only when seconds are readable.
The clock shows h=7 m=0
